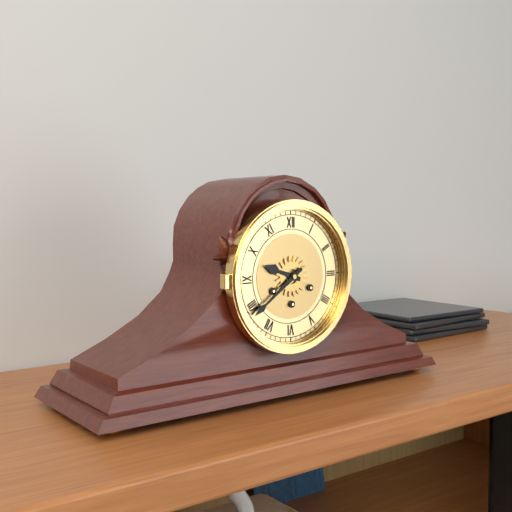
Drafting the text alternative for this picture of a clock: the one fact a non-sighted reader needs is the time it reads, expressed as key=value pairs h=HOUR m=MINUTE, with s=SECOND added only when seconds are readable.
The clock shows h=9 m=39
